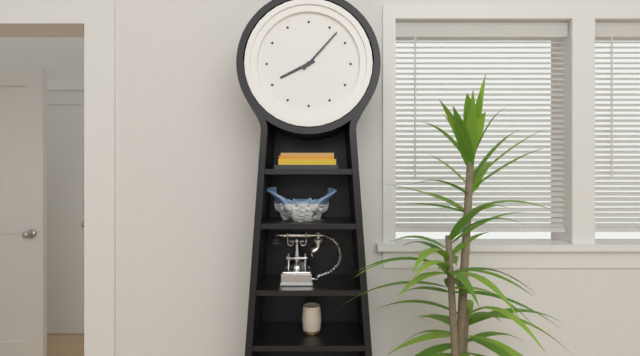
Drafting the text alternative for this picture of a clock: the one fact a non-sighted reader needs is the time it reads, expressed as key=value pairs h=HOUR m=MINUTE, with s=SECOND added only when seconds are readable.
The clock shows h=8 m=7
